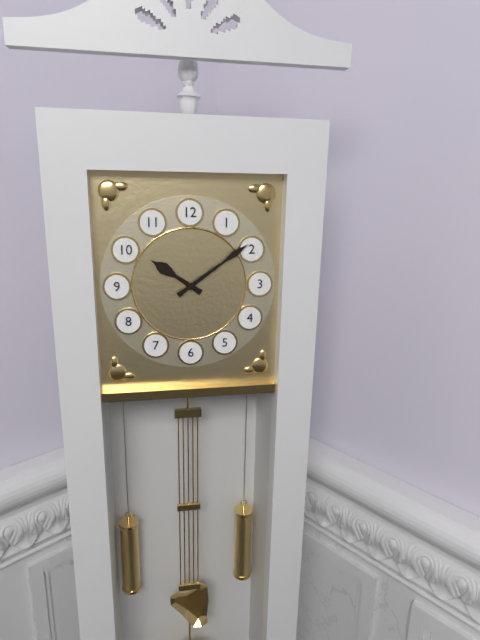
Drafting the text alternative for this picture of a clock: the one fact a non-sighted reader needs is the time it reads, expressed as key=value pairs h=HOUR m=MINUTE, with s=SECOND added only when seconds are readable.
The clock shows h=10 m=9
